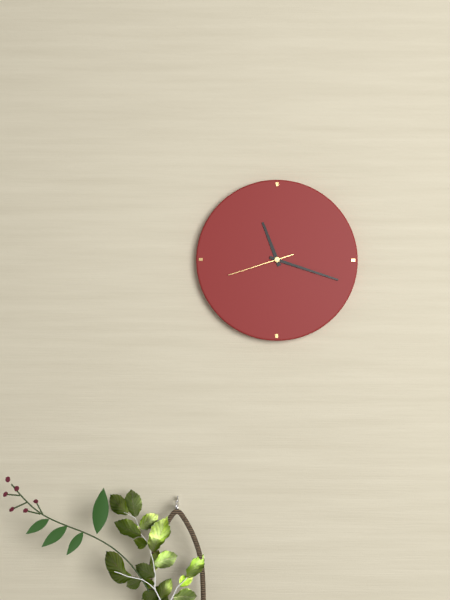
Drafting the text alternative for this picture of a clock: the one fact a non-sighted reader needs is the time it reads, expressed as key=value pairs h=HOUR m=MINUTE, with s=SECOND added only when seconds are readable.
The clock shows h=11 m=18 s=42
